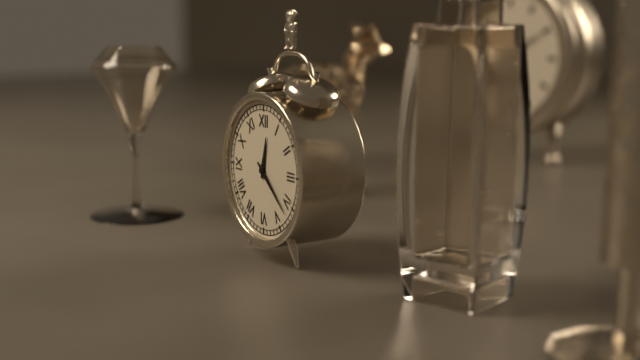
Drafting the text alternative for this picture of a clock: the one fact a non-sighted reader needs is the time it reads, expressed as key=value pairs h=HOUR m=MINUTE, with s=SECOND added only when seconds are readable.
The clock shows h=12 m=22
